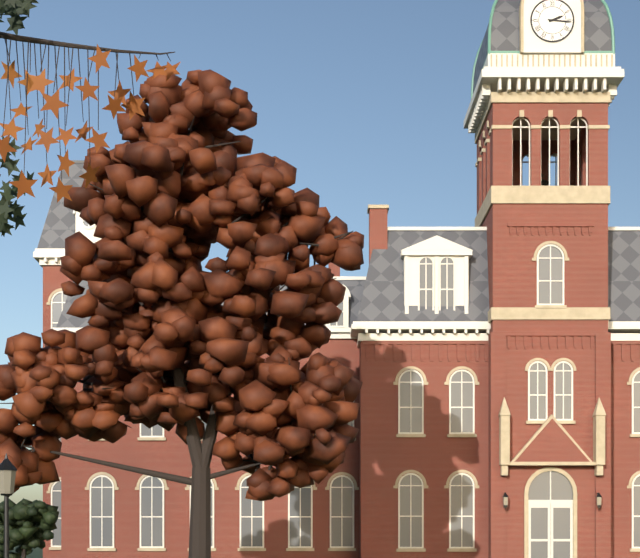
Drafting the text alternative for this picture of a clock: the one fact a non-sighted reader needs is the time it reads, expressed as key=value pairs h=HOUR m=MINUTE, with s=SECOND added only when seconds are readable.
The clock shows h=2 m=16
